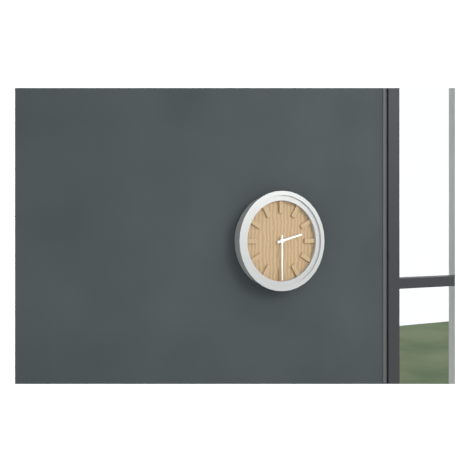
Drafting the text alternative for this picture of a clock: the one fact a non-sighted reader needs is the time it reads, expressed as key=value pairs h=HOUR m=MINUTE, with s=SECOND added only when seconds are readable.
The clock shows h=2 m=30
